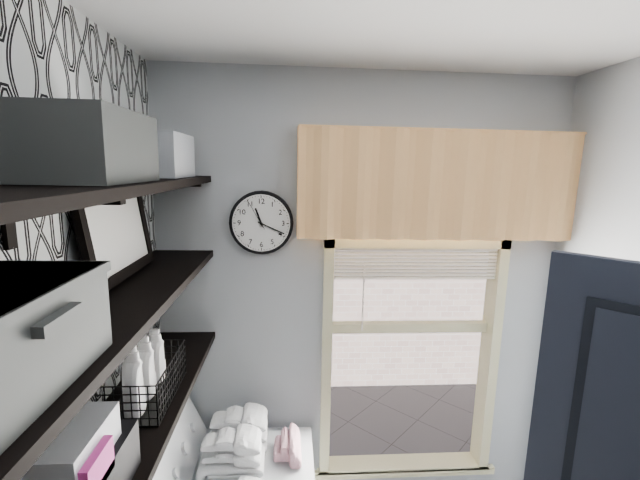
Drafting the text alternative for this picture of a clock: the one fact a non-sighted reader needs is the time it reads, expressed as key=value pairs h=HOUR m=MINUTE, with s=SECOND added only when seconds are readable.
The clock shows h=11 m=19
